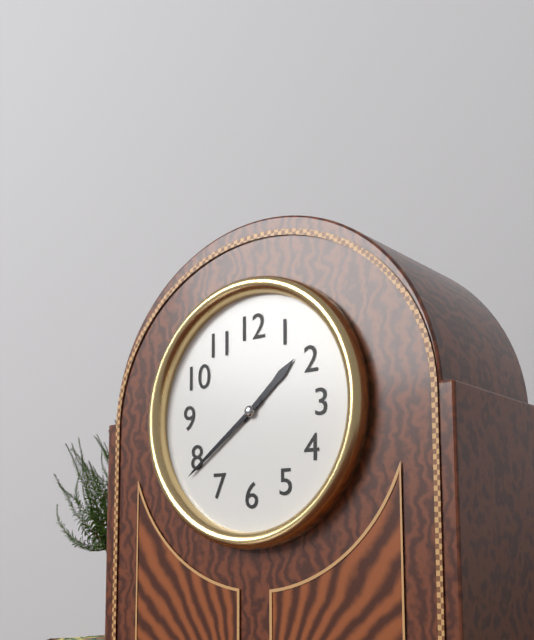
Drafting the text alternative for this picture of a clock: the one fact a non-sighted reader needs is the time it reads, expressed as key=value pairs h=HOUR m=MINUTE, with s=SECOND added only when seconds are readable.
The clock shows h=1 m=39
